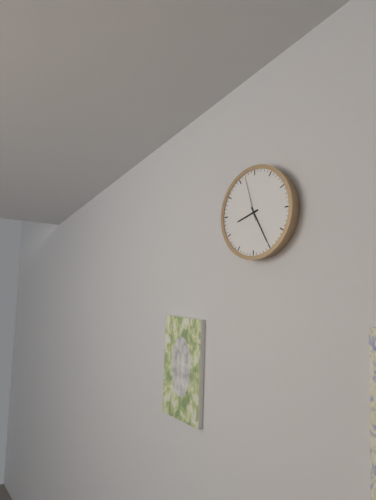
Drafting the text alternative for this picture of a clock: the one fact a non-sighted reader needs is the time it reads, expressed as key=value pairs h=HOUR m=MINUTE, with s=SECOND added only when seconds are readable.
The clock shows h=8 m=25
